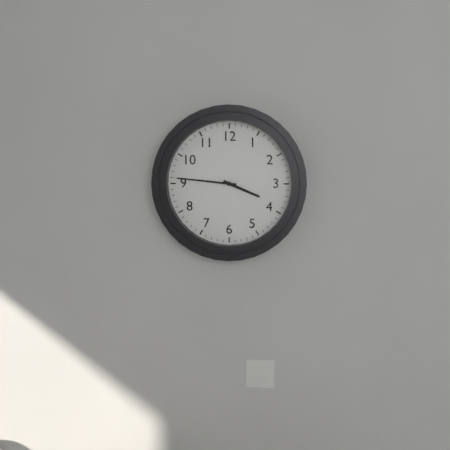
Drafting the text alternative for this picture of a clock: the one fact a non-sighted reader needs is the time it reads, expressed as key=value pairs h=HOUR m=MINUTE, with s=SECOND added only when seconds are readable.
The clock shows h=3 m=46
